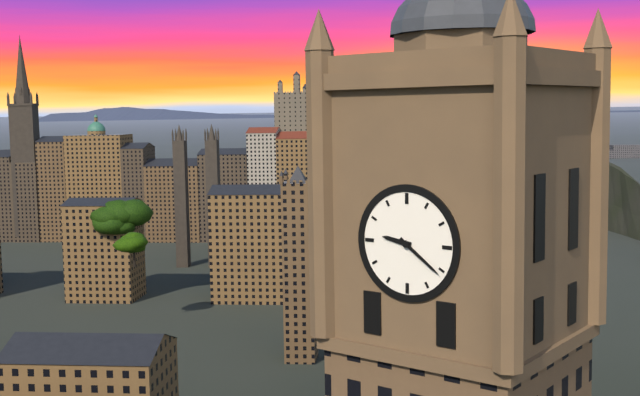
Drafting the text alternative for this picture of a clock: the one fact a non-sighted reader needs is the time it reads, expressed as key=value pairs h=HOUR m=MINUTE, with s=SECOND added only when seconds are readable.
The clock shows h=9 m=21
